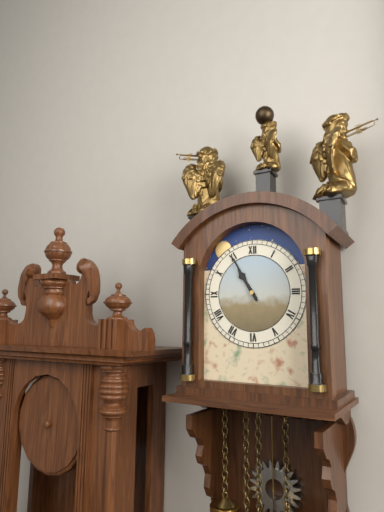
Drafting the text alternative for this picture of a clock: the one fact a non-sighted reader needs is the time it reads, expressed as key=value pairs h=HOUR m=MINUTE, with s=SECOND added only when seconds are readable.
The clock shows h=10 m=55
